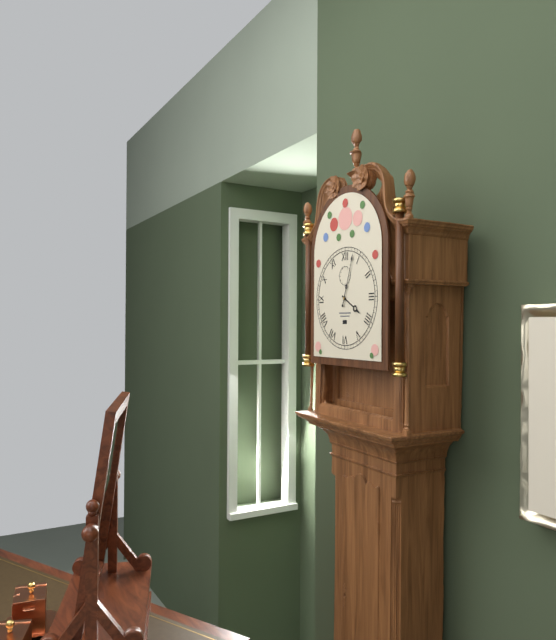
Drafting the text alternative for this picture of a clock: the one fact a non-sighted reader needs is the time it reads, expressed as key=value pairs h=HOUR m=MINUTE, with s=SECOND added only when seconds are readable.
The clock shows h=4 m=3
